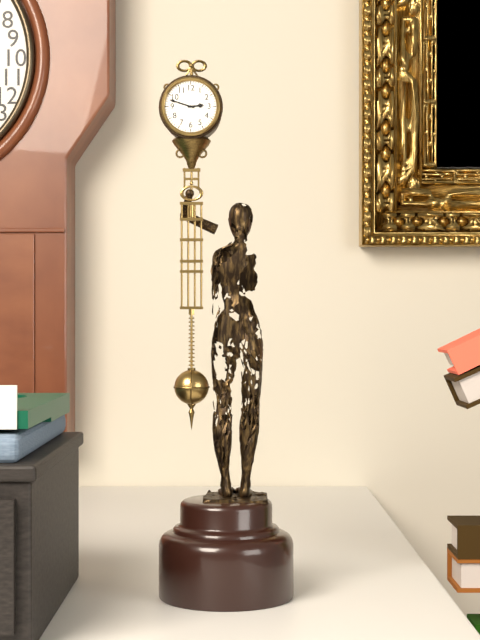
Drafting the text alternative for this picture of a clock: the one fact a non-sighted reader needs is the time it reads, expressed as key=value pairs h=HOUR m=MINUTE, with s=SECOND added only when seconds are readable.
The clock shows h=2 m=48
